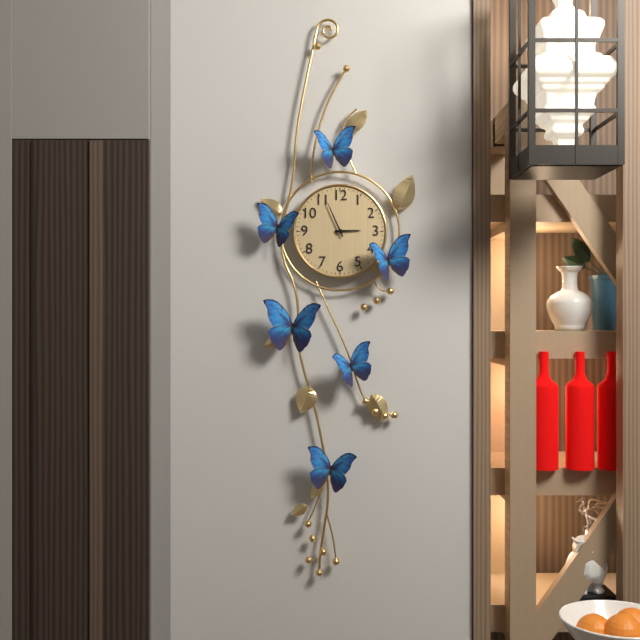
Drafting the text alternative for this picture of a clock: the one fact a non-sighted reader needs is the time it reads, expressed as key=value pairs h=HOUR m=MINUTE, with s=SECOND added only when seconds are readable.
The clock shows h=2 m=56
